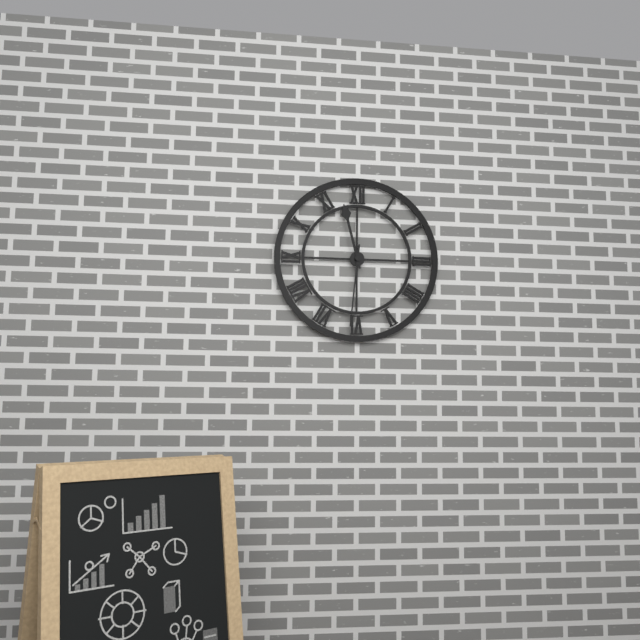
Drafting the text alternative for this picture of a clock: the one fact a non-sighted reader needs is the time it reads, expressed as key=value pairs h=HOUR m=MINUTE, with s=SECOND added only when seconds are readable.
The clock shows h=11 m=31
